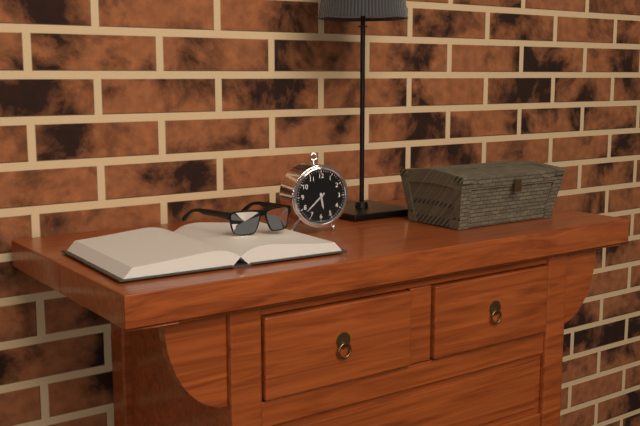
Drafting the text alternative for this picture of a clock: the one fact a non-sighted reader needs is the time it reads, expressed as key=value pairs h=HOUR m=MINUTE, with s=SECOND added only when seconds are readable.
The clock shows h=5 m=38
